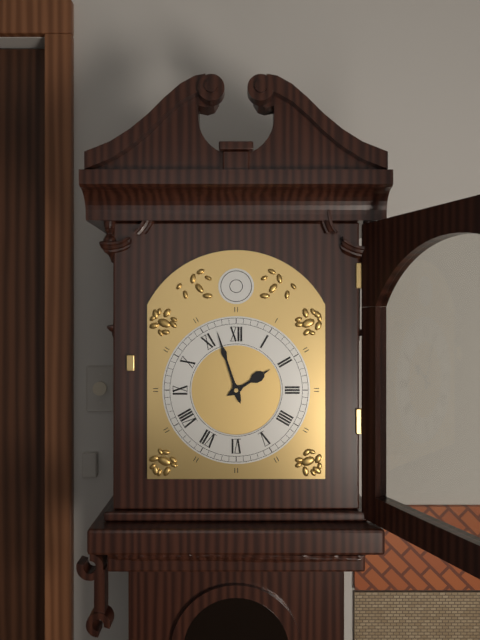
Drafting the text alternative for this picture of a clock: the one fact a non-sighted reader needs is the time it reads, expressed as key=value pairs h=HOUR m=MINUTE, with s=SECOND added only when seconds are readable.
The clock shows h=1 m=57
